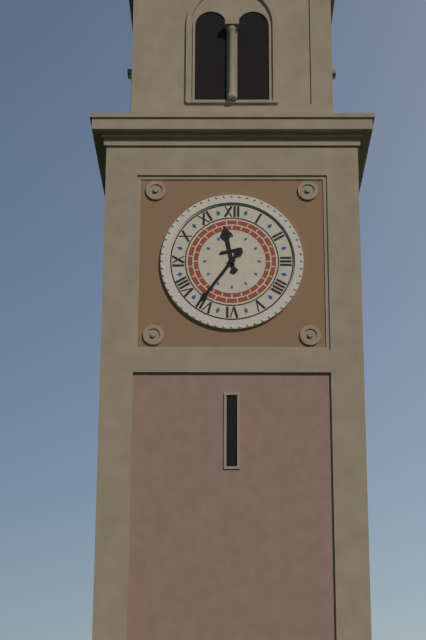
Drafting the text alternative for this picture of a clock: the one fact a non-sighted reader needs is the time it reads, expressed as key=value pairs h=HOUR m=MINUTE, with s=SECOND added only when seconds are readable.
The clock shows h=11 m=36
